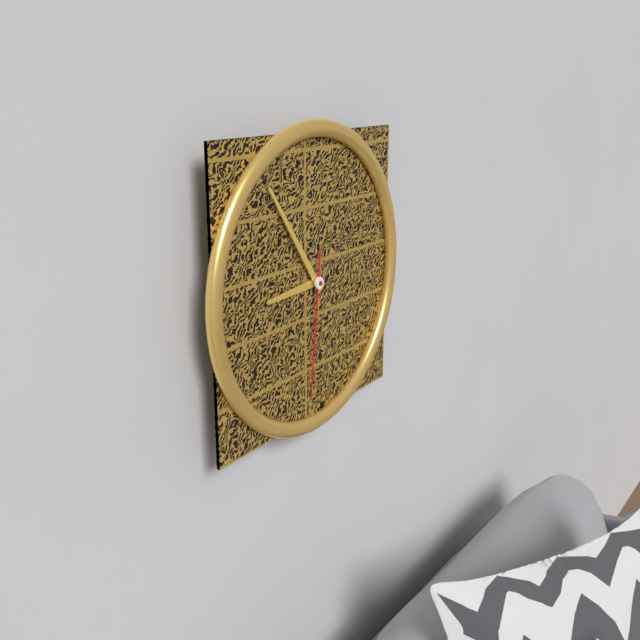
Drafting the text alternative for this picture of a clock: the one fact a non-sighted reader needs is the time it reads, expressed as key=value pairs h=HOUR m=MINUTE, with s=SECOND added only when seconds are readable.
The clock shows h=8 m=54 s=31
